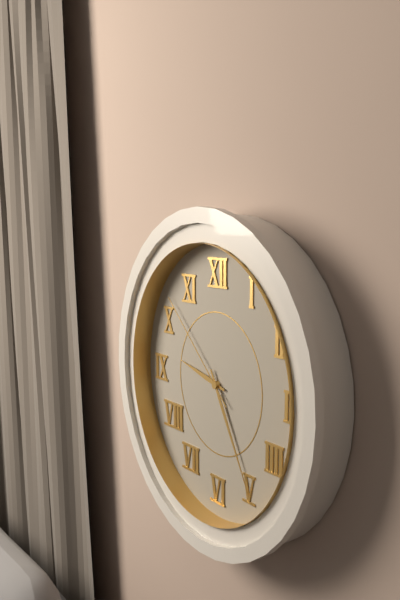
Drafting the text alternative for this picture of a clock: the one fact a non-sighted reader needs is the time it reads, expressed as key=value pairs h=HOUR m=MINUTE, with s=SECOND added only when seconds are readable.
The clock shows h=9 m=25 s=52
